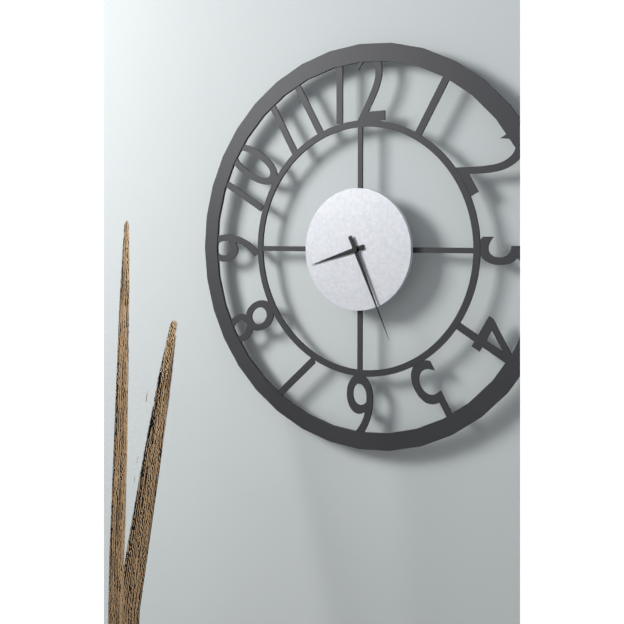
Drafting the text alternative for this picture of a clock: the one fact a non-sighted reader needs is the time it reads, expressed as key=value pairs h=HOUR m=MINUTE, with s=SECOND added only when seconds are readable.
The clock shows h=8 m=26
